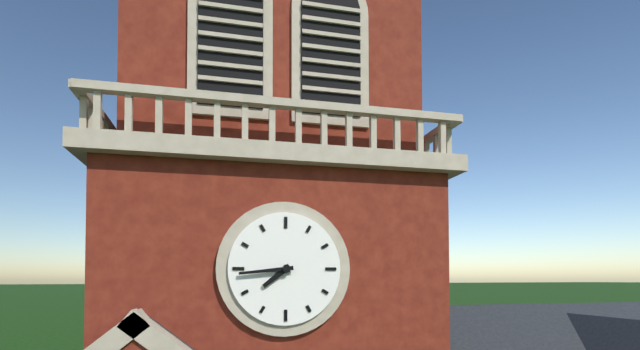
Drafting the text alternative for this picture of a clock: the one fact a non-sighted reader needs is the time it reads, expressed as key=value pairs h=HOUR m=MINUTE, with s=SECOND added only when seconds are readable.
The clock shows h=7 m=44
